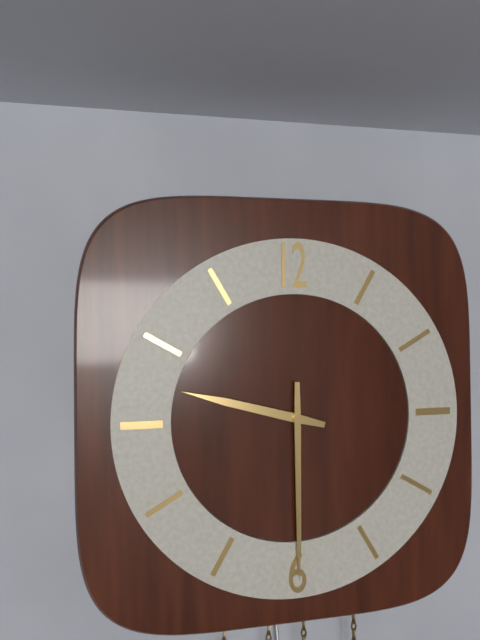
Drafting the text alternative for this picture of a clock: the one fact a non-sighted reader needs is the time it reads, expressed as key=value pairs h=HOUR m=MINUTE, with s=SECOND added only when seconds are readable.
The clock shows h=9 m=30
